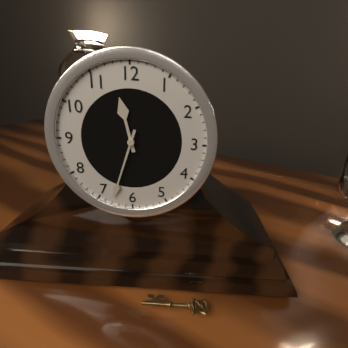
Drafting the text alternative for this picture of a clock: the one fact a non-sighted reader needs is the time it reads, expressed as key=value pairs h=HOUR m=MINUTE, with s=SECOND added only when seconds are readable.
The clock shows h=11 m=33
